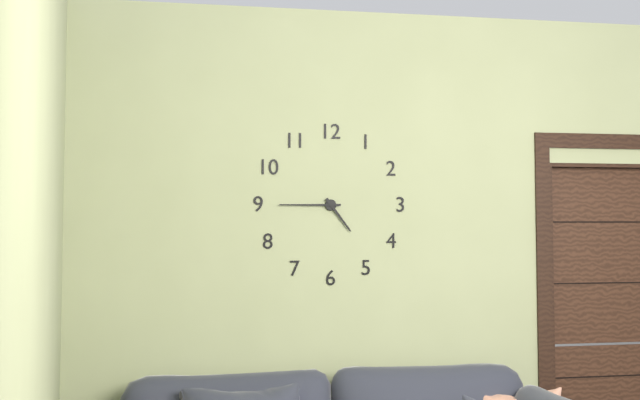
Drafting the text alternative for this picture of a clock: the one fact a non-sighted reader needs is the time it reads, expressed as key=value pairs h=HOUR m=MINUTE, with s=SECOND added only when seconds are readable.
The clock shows h=4 m=45
